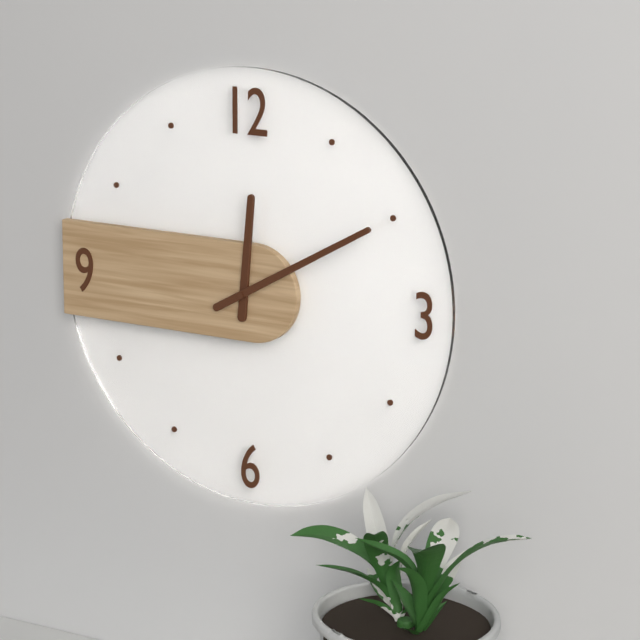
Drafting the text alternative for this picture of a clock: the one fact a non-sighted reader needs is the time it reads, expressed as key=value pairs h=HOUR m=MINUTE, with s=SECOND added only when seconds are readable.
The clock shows h=12 m=10
